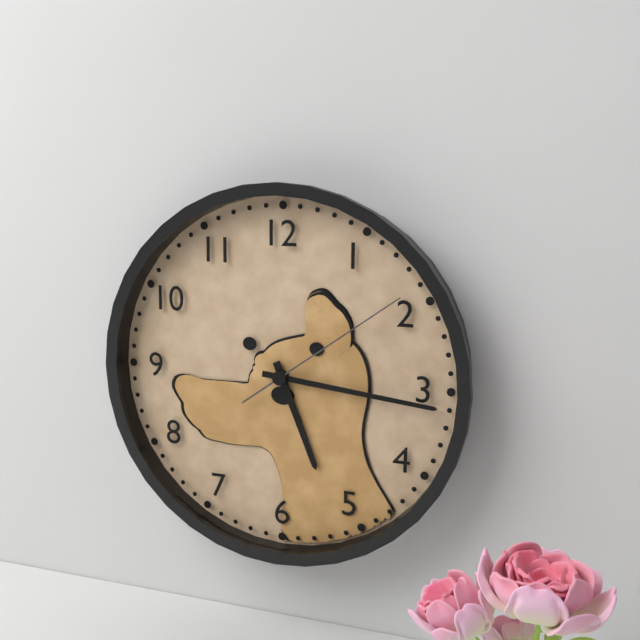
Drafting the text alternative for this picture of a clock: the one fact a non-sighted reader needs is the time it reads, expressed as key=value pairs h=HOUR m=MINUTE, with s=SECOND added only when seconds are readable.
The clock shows h=5 m=16 s=9
